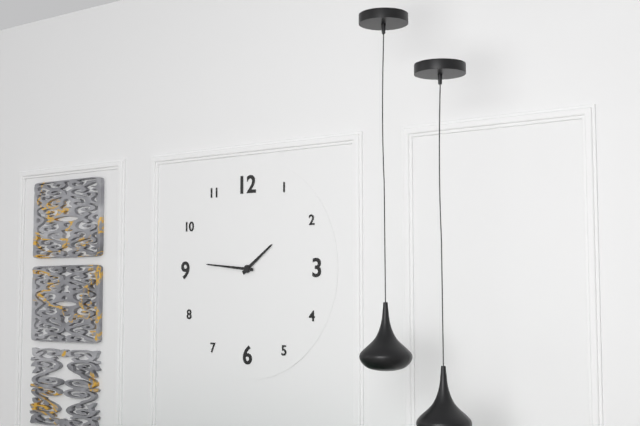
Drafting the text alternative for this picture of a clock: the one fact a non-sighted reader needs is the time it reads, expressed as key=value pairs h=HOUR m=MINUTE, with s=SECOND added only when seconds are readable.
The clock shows h=1 m=46
